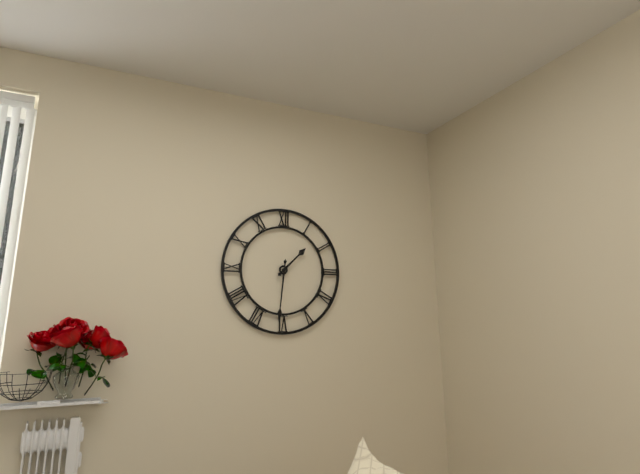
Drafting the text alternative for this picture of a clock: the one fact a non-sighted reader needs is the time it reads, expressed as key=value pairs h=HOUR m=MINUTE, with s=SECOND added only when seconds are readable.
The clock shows h=1 m=31
